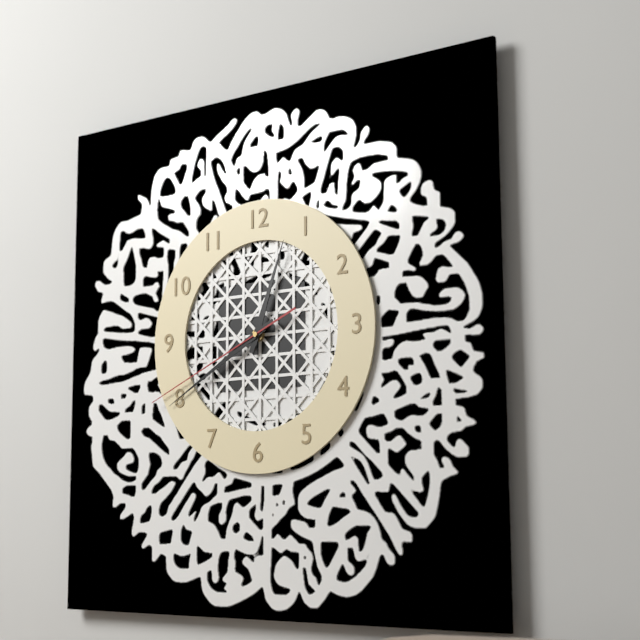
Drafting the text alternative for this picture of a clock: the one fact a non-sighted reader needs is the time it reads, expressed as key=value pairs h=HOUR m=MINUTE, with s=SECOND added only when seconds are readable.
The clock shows h=12 m=40 s=41
